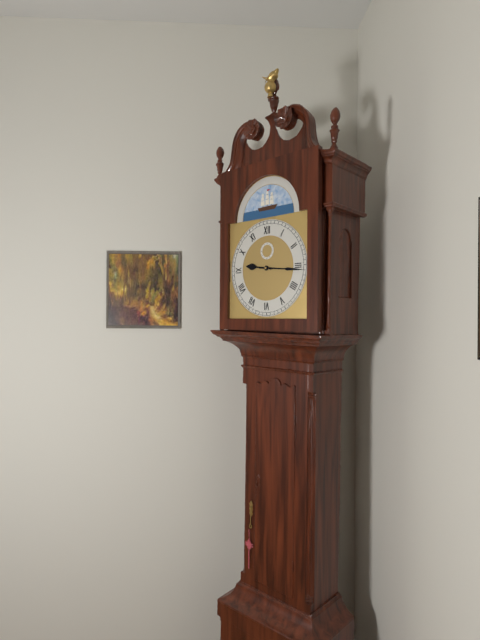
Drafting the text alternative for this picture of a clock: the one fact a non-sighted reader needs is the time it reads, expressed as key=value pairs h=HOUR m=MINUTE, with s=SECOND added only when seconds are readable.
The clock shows h=9 m=16
